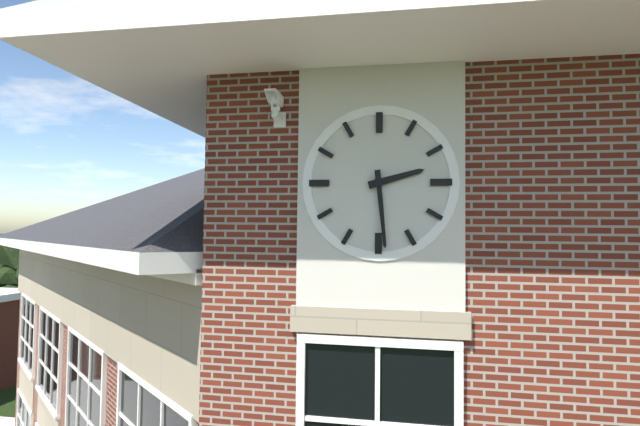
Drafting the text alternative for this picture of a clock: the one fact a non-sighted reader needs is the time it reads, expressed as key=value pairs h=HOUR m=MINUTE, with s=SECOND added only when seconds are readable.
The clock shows h=2 m=29
